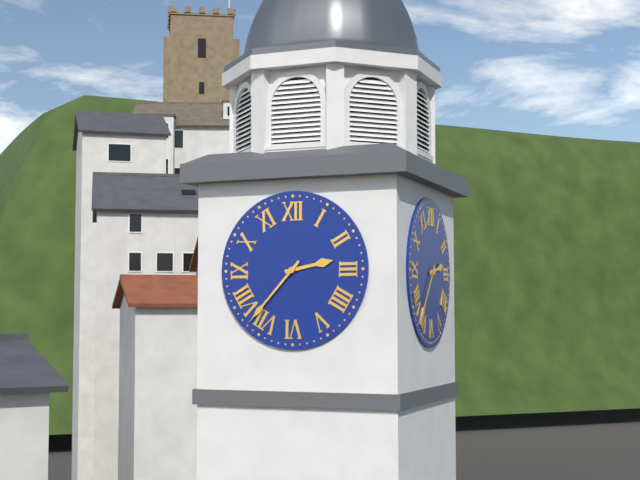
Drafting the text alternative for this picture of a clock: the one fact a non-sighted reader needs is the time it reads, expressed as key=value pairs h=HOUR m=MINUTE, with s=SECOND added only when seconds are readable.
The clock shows h=2 m=37
